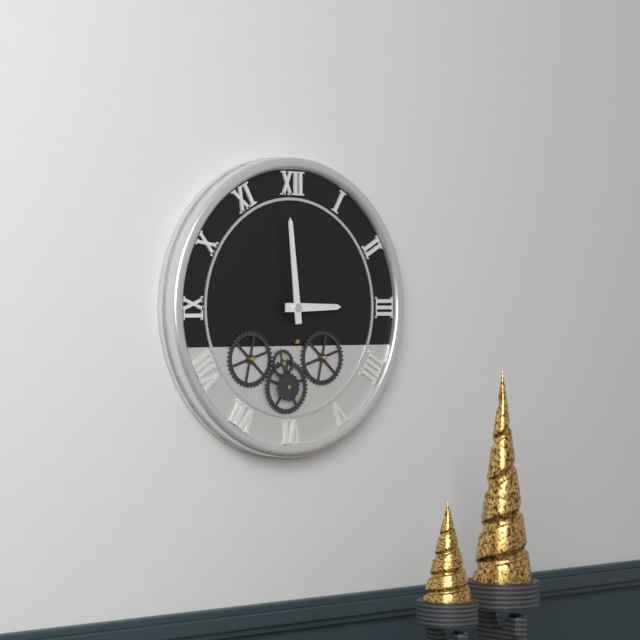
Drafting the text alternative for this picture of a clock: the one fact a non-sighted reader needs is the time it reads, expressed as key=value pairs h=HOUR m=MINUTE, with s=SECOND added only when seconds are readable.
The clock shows h=2 m=59
